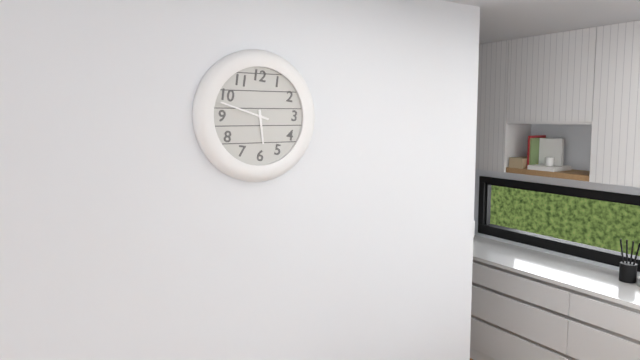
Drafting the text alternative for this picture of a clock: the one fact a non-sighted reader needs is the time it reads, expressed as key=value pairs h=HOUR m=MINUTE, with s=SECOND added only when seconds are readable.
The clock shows h=5 m=48
